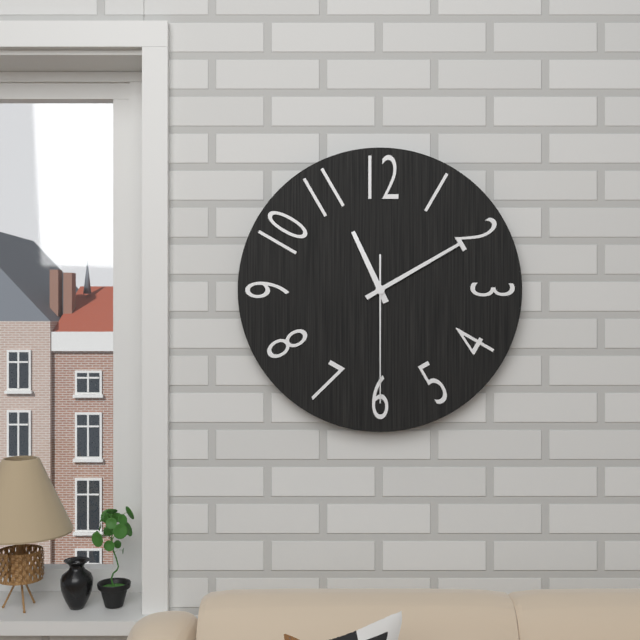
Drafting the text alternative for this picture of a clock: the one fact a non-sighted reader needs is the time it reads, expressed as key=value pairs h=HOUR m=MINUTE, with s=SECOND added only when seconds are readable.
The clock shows h=11 m=10 s=30
